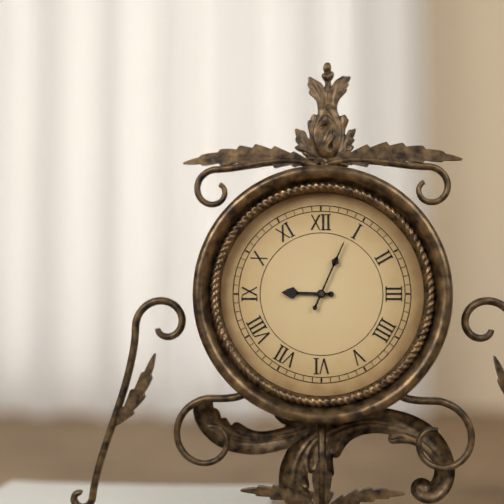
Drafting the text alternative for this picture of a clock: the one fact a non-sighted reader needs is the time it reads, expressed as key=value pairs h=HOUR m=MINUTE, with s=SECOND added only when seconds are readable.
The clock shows h=9 m=4
